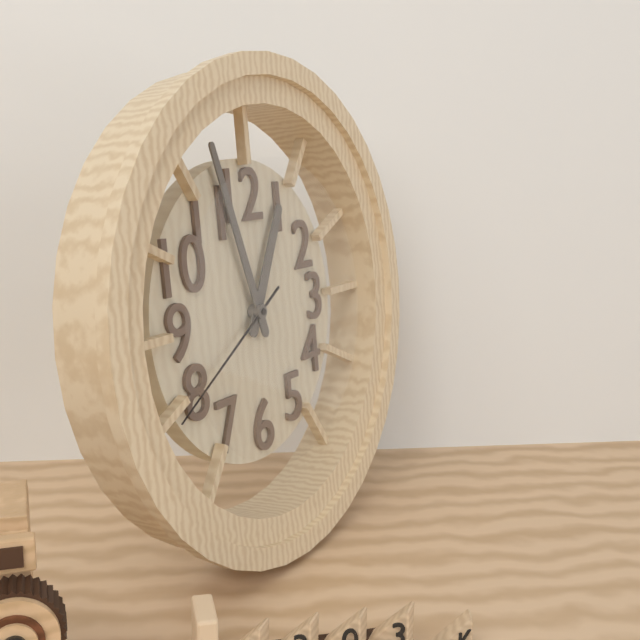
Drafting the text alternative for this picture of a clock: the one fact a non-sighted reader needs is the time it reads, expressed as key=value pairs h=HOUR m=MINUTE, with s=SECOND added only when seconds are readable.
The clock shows h=12 m=57 s=40
